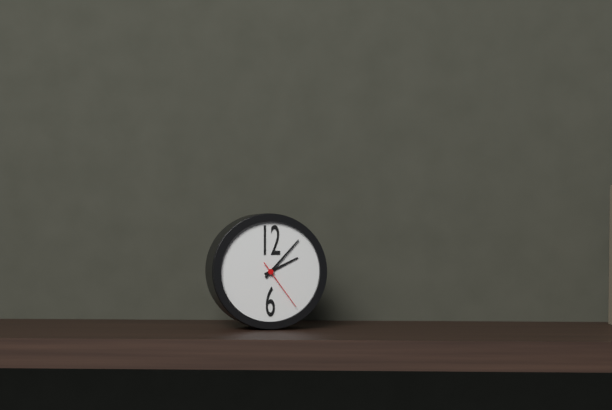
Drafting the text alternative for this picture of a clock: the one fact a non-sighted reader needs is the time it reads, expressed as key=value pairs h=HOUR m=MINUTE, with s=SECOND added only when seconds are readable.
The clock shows h=2 m=7 s=24
